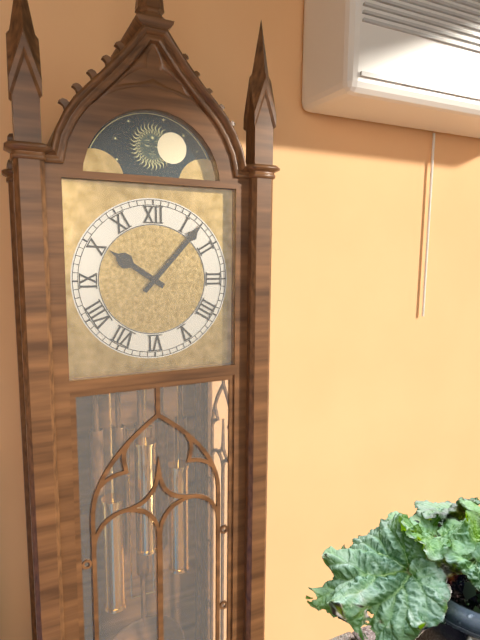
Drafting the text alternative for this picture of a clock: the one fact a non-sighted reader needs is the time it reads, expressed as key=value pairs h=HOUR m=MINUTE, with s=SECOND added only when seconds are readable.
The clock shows h=10 m=7
